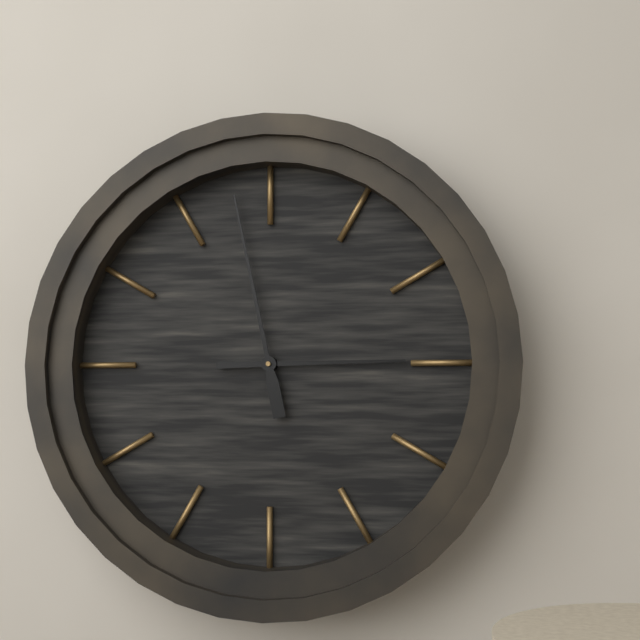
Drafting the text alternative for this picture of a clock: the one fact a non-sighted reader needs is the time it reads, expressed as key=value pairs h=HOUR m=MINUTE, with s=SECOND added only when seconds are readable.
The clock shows h=2 m=58
